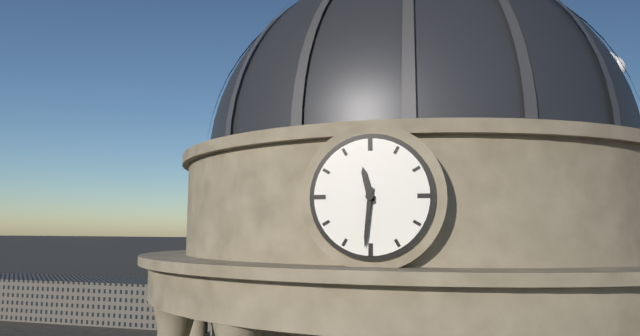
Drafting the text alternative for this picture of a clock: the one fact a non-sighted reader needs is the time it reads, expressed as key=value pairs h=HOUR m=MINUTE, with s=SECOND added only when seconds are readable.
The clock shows h=11 m=31
